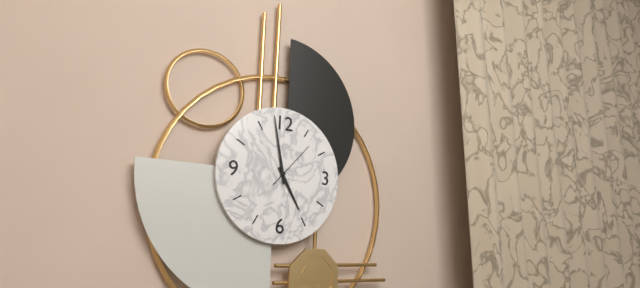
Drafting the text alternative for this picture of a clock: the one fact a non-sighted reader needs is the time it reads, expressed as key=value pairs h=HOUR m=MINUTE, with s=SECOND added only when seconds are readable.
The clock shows h=4 m=58
